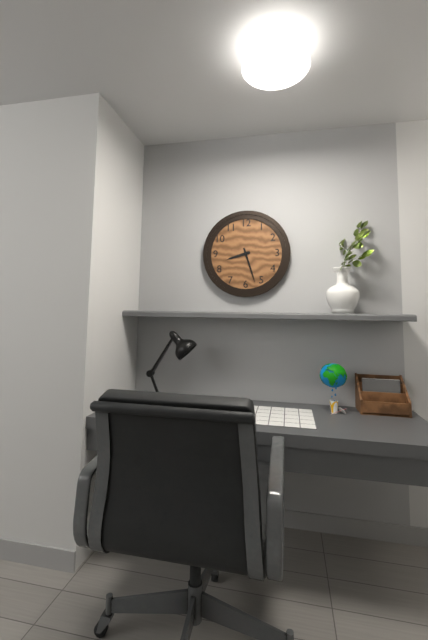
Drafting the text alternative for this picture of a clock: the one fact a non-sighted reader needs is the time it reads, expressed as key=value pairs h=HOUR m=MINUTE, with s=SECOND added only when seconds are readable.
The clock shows h=8 m=27
